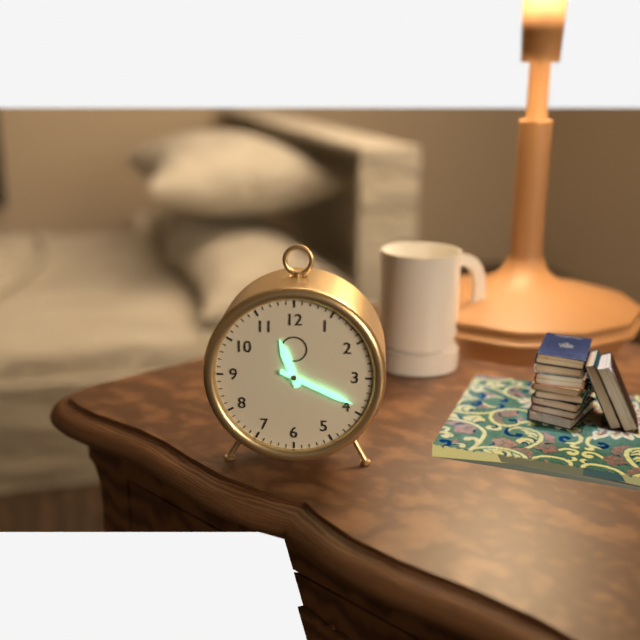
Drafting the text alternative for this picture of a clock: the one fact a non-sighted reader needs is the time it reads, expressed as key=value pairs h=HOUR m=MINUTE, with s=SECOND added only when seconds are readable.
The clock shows h=11 m=19
